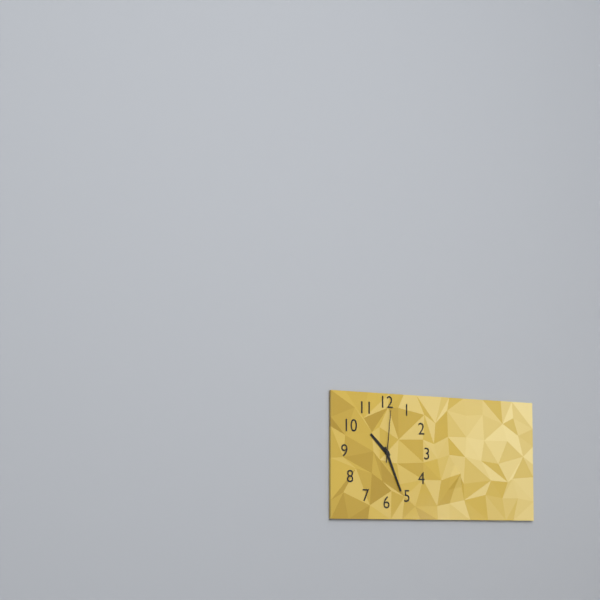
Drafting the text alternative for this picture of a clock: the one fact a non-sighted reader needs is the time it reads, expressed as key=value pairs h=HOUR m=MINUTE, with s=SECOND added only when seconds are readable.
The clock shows h=10 m=26 s=1
